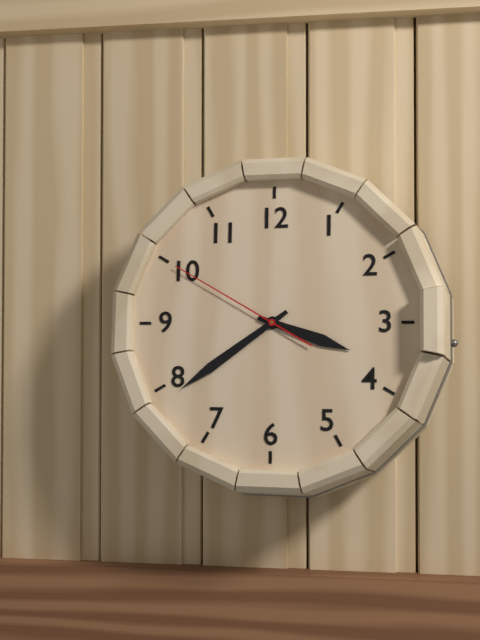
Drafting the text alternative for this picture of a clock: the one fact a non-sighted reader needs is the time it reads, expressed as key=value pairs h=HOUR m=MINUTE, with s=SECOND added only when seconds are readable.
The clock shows h=3 m=39 s=50
